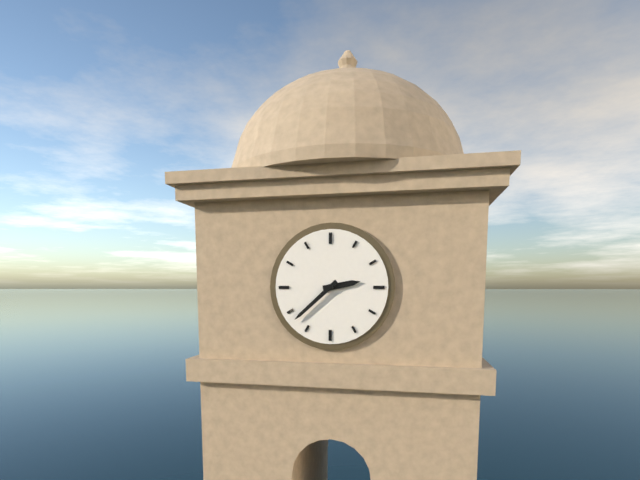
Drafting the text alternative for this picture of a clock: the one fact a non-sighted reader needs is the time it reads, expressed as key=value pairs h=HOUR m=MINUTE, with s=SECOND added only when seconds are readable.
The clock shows h=2 m=38
